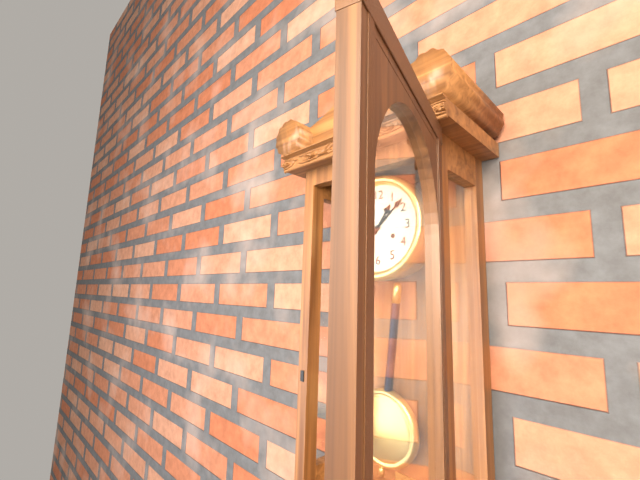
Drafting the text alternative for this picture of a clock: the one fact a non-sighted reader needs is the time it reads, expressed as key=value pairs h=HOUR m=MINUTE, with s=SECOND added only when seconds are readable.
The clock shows h=1 m=8
